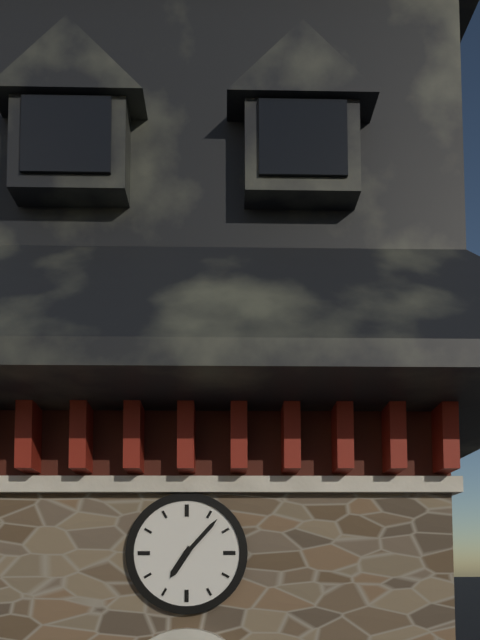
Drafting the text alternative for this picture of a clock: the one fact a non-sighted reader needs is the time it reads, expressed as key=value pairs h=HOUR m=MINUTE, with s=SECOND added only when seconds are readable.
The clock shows h=7 m=7
